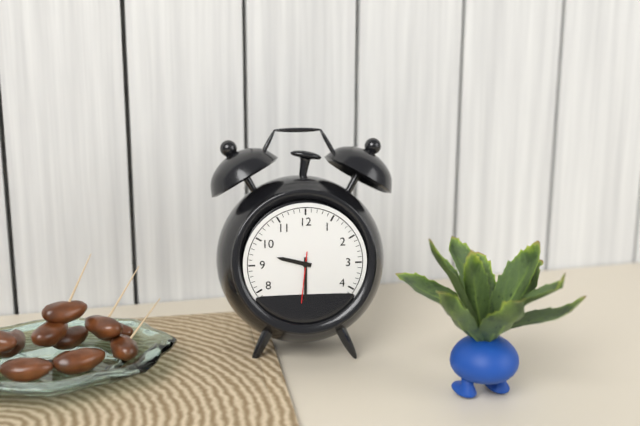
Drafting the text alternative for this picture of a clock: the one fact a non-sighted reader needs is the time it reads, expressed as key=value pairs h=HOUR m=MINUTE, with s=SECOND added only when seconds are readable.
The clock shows h=9 m=30 s=31
